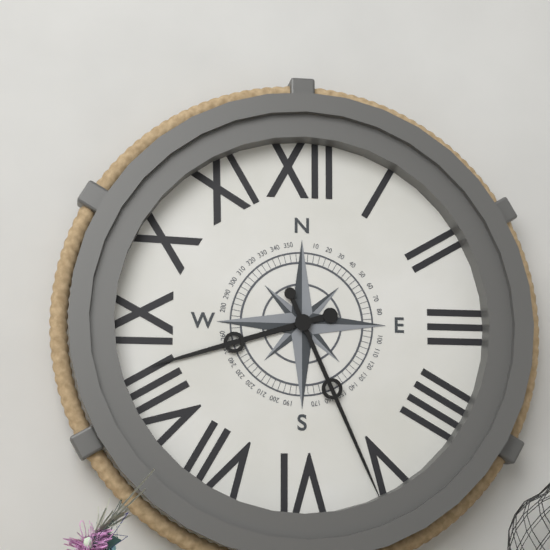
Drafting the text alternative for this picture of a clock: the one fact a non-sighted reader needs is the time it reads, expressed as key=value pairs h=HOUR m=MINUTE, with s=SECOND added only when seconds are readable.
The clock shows h=8 m=26
